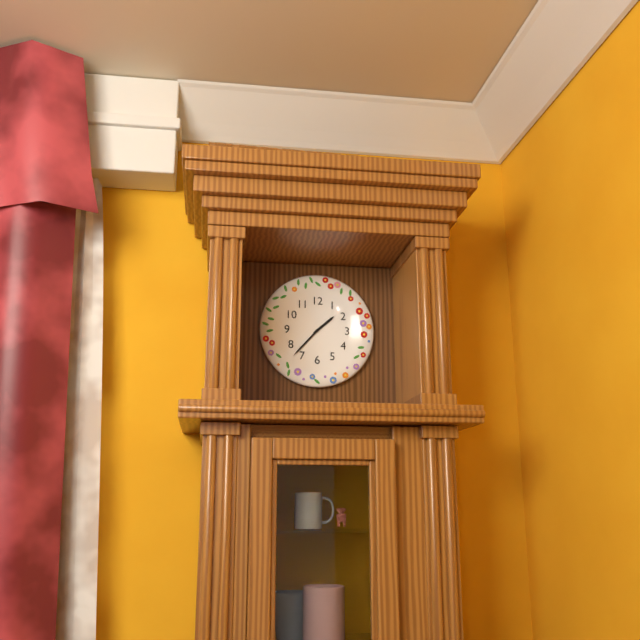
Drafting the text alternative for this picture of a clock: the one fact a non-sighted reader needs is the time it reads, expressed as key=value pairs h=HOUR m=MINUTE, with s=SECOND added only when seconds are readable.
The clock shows h=1 m=37
